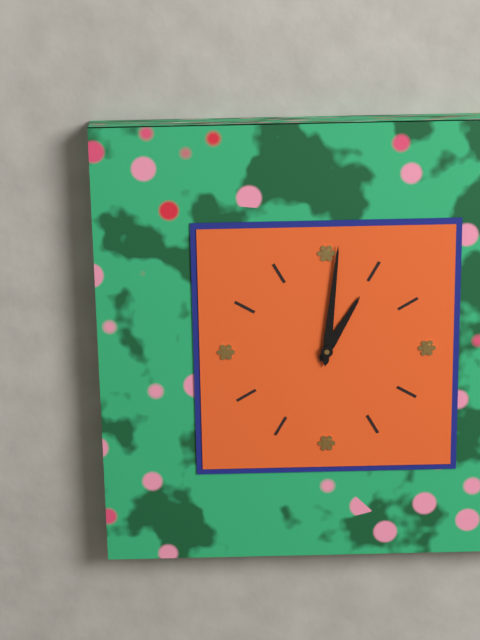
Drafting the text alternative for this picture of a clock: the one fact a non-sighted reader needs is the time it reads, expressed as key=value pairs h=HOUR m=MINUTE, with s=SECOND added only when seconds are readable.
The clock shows h=1 m=1
